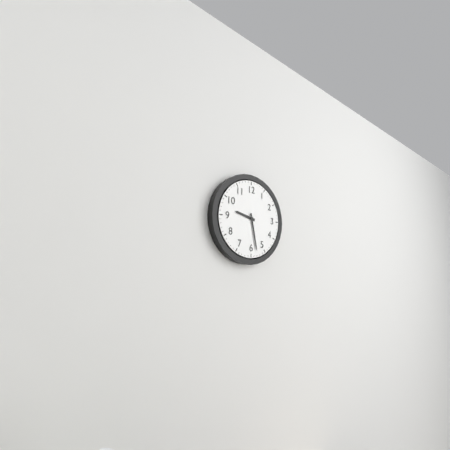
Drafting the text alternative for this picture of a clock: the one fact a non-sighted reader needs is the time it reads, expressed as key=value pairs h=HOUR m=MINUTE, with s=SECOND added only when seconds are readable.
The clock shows h=9 m=28
